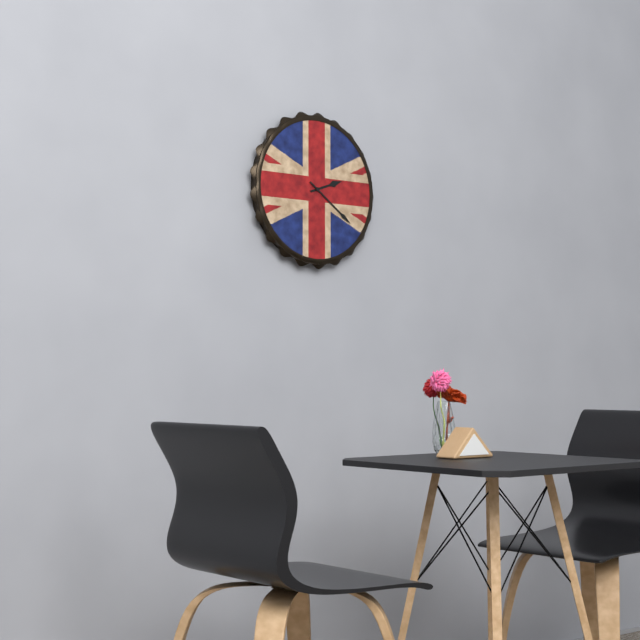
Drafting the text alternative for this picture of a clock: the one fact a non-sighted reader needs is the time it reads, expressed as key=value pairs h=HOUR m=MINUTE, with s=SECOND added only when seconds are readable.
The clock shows h=2 m=21
